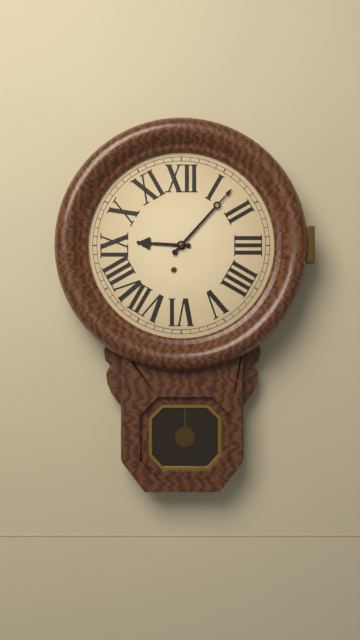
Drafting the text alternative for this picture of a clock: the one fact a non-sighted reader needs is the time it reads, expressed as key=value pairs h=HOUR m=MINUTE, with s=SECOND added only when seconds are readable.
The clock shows h=9 m=7
